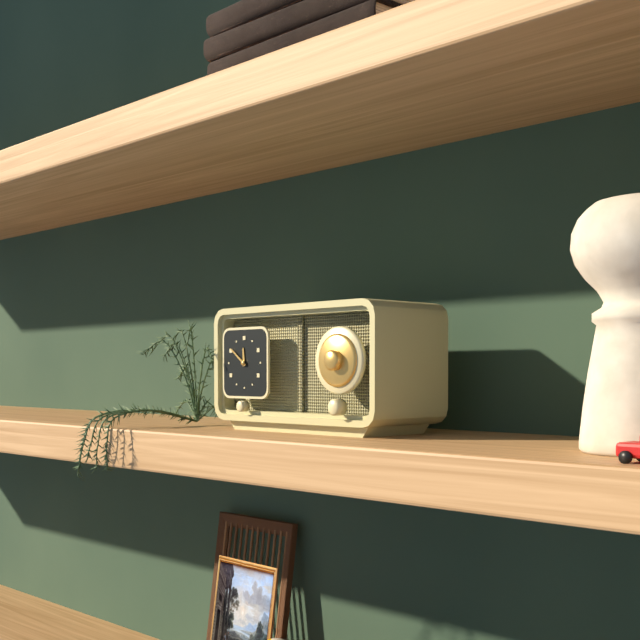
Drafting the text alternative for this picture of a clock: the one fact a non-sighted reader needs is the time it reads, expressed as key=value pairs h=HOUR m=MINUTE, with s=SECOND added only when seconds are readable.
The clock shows h=11 m=51
